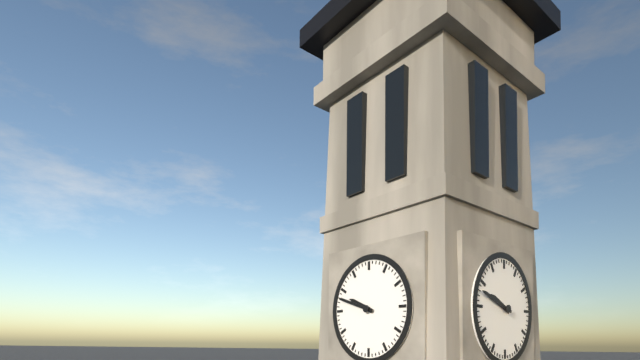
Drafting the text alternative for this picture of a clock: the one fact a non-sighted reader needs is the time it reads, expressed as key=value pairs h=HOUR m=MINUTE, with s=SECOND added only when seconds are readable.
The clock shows h=9 m=48
